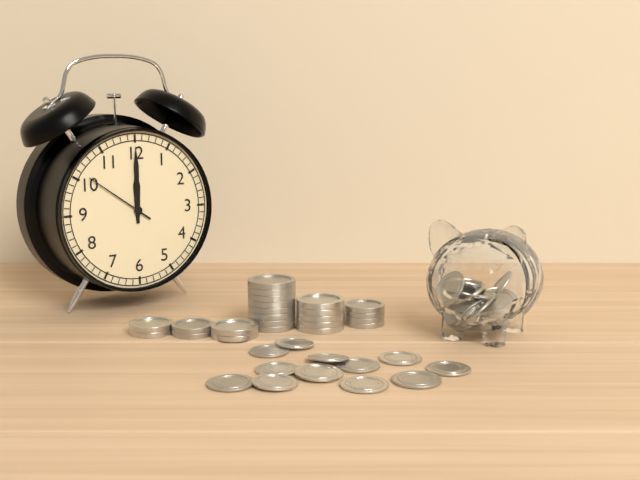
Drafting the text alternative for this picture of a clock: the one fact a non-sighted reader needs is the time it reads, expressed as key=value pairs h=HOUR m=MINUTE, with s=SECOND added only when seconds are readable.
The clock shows h=12 m=0 s=51
